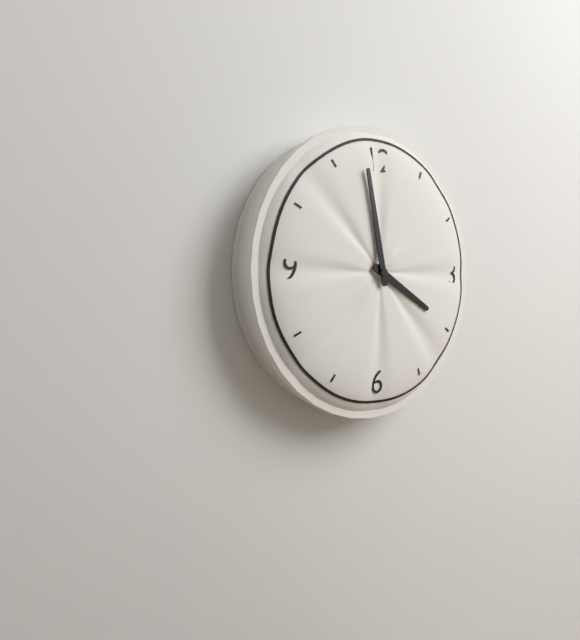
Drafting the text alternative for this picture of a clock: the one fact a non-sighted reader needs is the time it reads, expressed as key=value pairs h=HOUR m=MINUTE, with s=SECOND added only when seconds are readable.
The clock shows h=3 m=58
